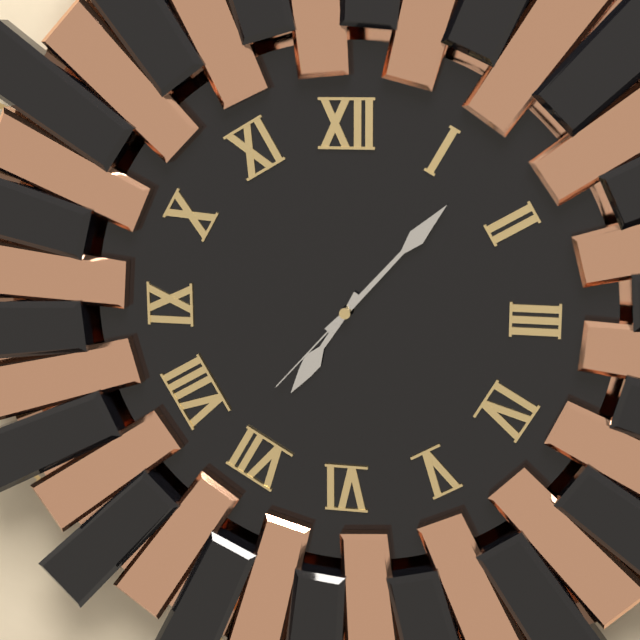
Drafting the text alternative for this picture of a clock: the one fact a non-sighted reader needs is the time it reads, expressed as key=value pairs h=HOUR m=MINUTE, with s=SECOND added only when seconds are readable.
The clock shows h=7 m=7 s=37
